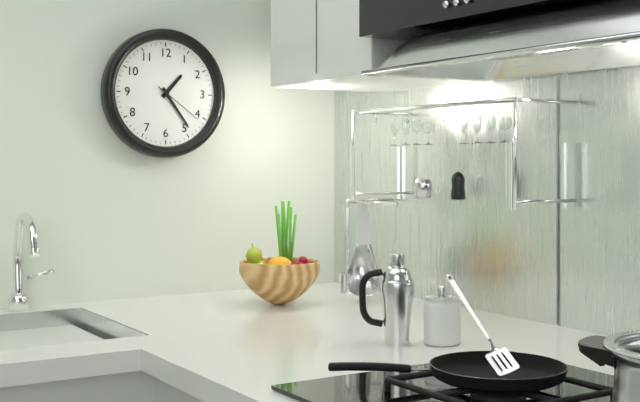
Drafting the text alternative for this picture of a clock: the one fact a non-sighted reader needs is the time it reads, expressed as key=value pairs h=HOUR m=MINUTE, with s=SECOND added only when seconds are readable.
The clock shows h=1 m=24 s=21
